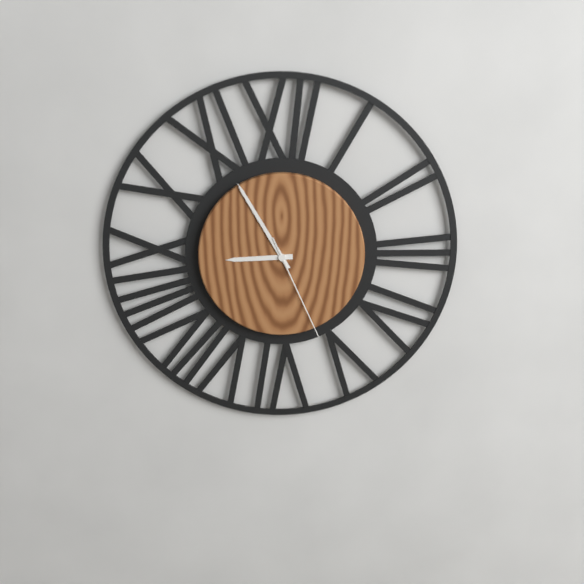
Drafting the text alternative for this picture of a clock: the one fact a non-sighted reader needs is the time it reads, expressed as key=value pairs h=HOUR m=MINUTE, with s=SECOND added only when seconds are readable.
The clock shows h=8 m=55 s=26
